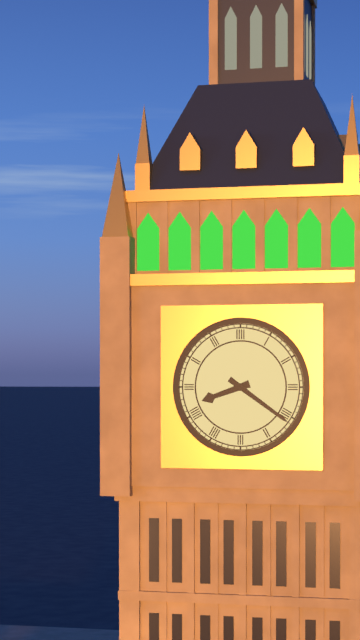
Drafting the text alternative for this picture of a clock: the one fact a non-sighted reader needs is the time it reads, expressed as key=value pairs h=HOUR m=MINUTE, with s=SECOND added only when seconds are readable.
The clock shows h=8 m=21
